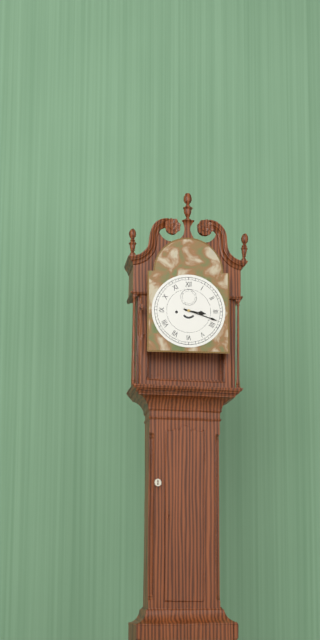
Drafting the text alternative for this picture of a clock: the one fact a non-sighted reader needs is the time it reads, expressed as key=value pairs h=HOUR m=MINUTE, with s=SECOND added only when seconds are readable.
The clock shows h=3 m=18
